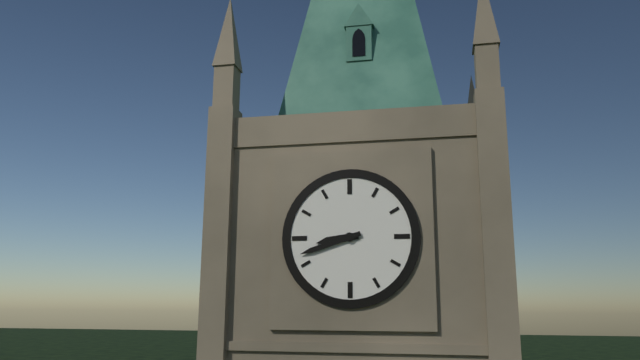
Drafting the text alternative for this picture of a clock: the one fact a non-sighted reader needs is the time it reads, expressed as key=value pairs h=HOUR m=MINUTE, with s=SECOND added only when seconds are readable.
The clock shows h=8 m=42
